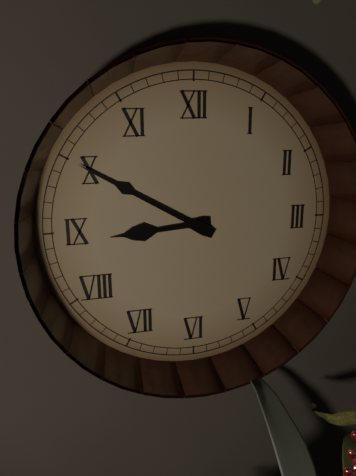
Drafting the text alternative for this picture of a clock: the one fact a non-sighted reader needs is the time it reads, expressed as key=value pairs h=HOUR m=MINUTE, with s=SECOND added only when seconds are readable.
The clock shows h=8 m=50
